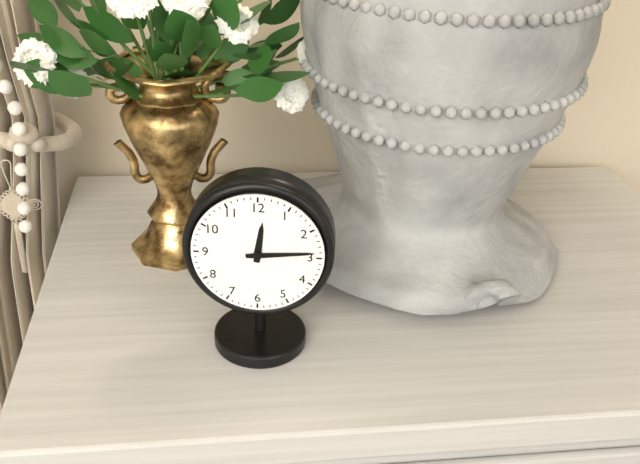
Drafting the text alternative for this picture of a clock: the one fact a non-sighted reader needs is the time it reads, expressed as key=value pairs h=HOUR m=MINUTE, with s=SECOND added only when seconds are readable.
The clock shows h=12 m=14
